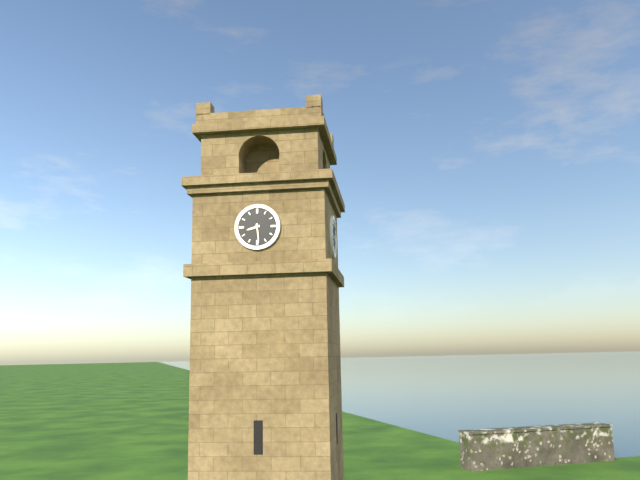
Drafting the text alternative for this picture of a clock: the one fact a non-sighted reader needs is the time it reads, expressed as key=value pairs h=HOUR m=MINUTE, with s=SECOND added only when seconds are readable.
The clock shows h=8 m=29
